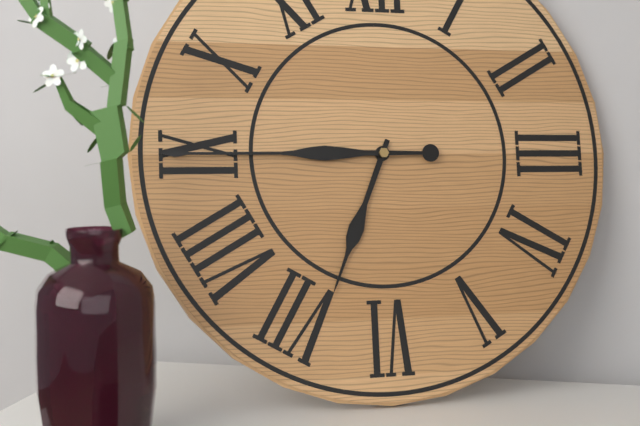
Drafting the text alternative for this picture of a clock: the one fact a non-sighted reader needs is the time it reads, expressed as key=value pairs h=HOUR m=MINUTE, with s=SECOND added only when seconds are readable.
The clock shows h=6 m=45
